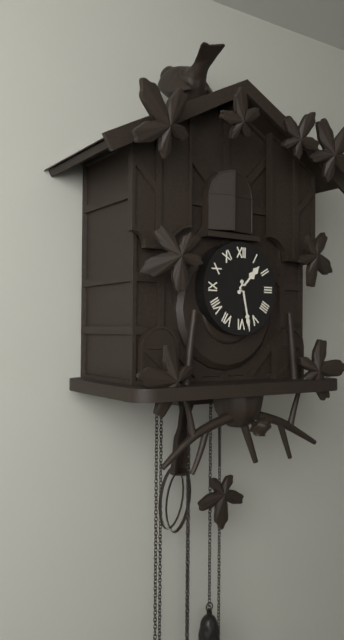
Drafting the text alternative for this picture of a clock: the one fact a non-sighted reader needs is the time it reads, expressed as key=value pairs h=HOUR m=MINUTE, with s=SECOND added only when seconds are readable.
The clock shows h=1 m=28
